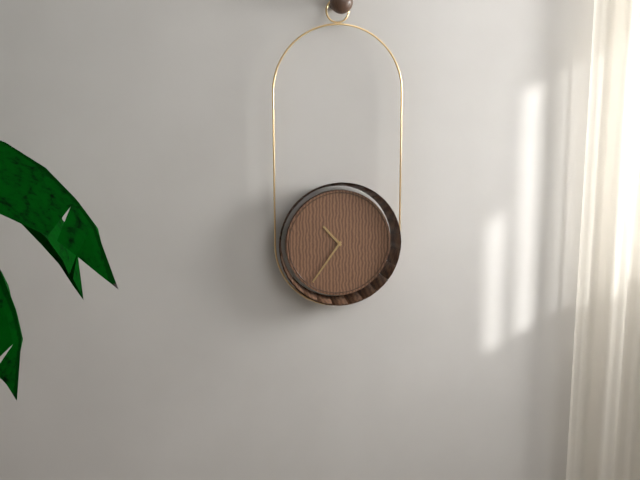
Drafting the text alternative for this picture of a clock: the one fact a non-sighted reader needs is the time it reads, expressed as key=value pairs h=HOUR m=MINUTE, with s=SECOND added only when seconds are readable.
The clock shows h=10 m=36
